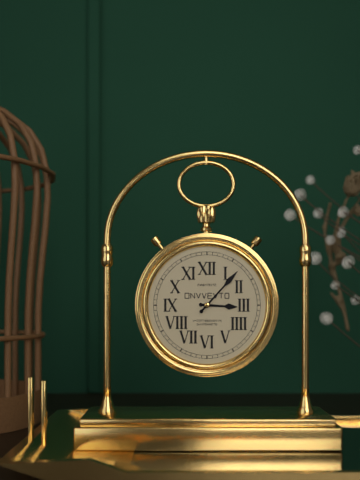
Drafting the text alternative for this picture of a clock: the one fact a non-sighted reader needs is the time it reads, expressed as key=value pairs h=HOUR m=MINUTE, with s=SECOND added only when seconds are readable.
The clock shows h=3 m=7
